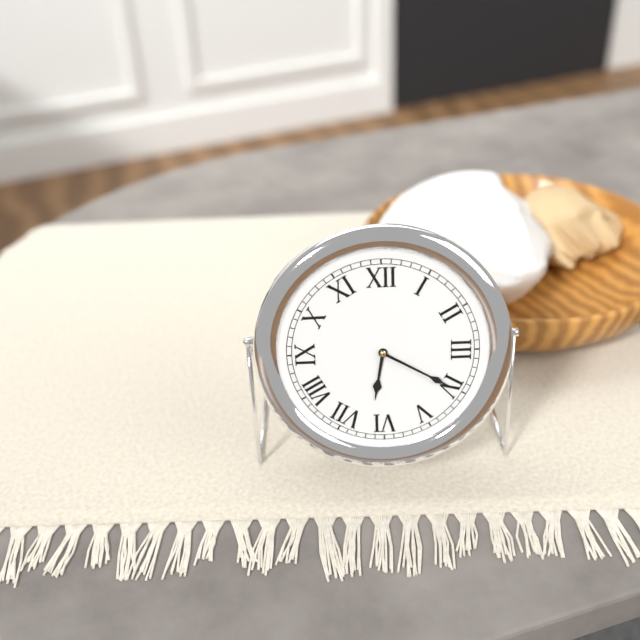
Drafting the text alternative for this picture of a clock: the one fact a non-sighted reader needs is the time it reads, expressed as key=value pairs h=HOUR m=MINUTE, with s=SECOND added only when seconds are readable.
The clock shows h=6 m=20
